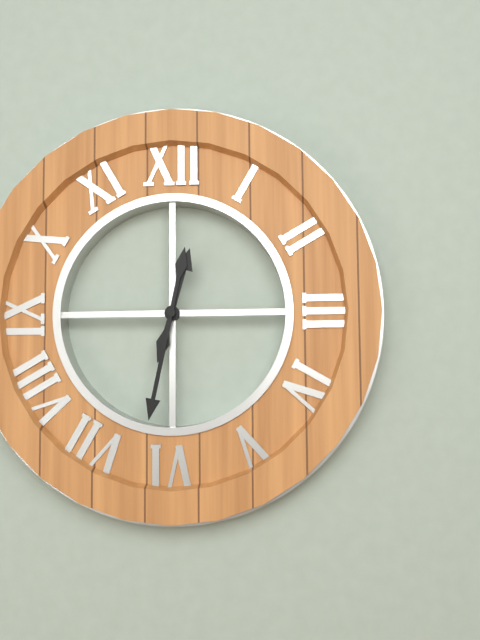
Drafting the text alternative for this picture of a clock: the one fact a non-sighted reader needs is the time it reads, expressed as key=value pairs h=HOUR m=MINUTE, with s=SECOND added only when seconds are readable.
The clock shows h=12 m=32
